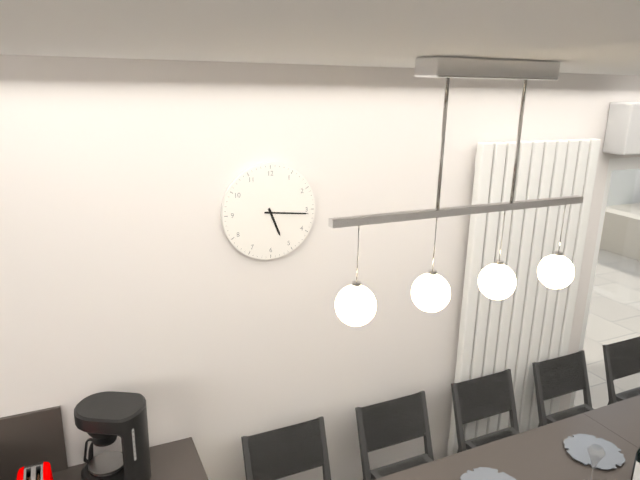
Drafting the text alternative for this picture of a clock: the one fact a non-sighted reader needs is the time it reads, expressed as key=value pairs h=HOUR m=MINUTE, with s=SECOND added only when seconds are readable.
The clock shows h=5 m=16
